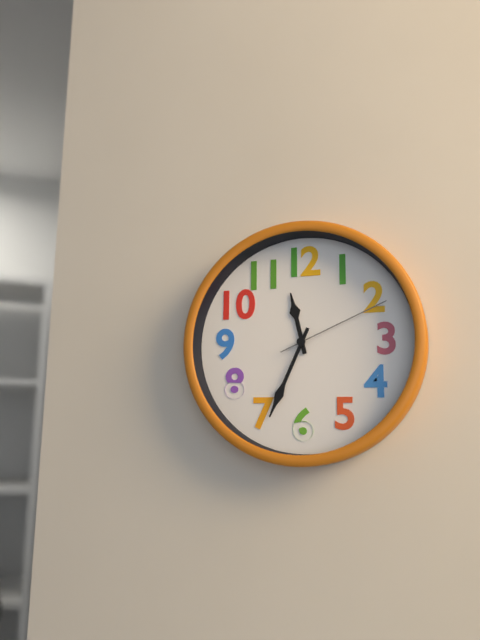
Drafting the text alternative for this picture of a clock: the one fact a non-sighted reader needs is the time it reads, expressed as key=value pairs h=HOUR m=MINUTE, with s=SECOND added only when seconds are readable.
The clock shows h=11 m=34 s=11
